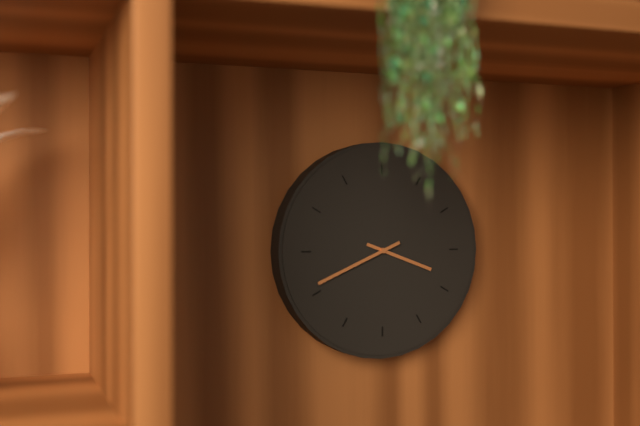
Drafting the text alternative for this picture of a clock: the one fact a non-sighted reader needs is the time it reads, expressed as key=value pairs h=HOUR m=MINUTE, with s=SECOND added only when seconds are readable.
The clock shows h=3 m=41
